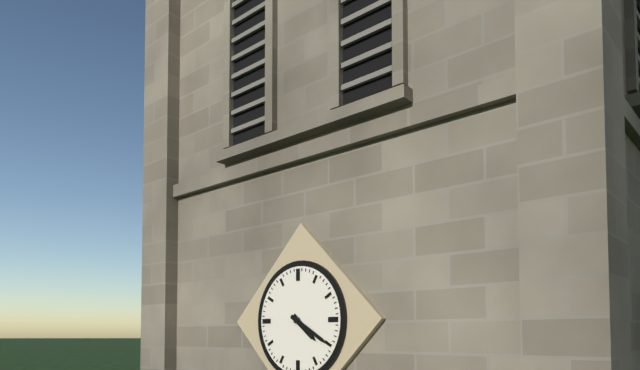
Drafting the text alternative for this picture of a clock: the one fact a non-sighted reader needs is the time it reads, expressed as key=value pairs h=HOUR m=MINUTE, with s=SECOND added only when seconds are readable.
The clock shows h=4 m=20
